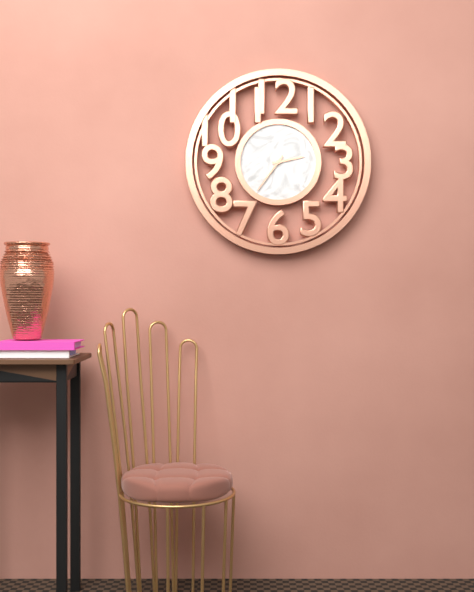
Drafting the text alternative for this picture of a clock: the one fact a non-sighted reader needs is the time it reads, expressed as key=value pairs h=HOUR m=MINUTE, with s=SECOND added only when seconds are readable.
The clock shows h=2 m=36
